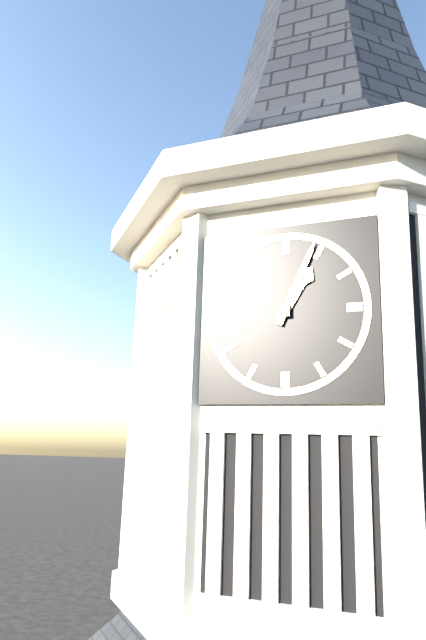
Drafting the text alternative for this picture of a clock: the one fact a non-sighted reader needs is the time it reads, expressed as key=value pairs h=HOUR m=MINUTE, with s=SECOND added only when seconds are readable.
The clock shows h=1 m=4
